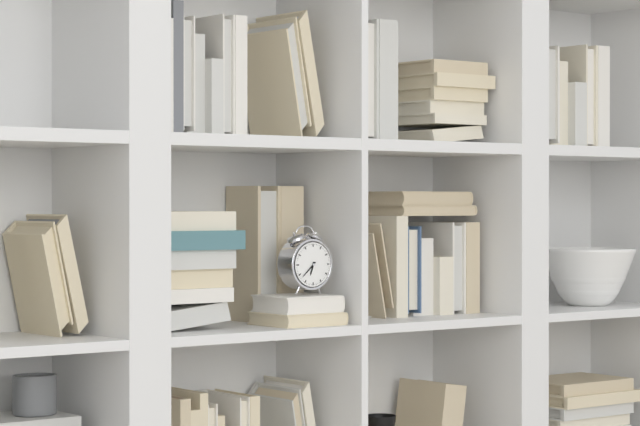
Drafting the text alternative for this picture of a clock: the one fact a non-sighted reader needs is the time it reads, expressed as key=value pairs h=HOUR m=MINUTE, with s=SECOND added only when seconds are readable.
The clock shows h=6 m=38
